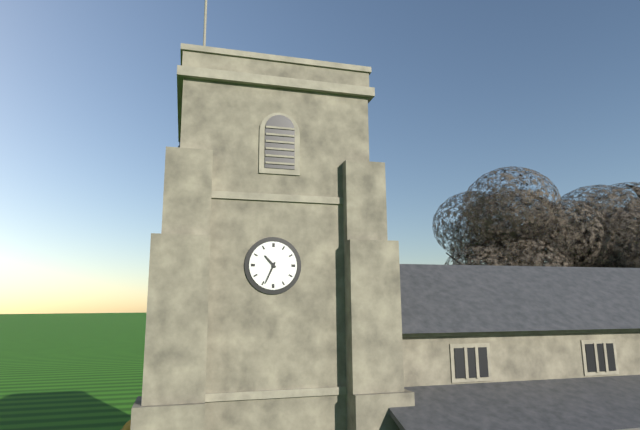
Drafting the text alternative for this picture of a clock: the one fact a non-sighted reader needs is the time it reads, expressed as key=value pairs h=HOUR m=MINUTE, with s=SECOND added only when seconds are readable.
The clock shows h=10 m=34
